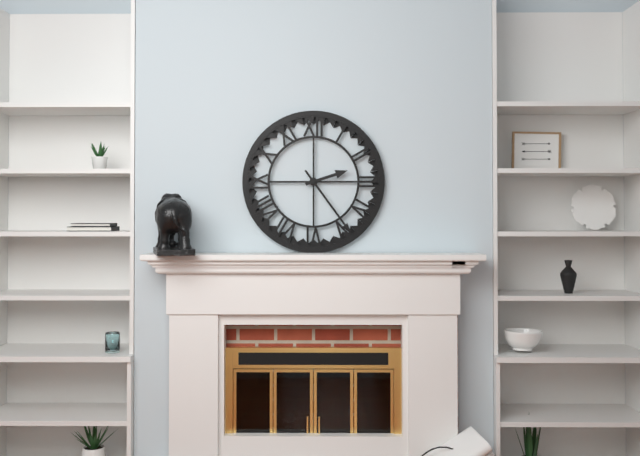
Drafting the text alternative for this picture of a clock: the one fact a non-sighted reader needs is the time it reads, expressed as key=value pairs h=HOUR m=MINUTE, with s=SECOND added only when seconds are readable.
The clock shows h=2 m=24
